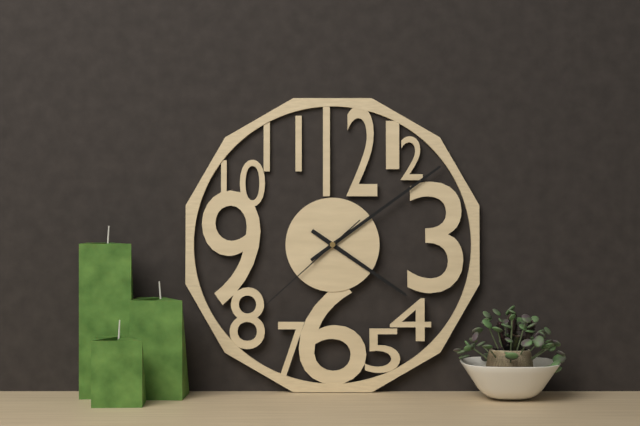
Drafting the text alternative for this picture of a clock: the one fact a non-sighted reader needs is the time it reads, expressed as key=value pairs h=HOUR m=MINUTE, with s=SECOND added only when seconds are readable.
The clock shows h=4 m=9 s=38
